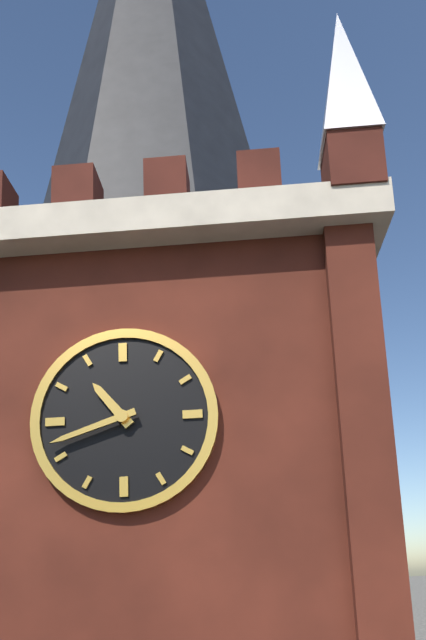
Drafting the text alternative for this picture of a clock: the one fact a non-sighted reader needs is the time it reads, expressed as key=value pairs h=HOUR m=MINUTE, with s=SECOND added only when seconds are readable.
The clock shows h=10 m=42
